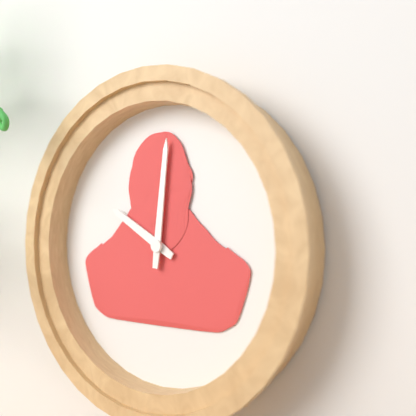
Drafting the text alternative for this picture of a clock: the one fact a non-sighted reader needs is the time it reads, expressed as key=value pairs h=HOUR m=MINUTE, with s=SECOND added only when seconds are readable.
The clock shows h=10 m=1
